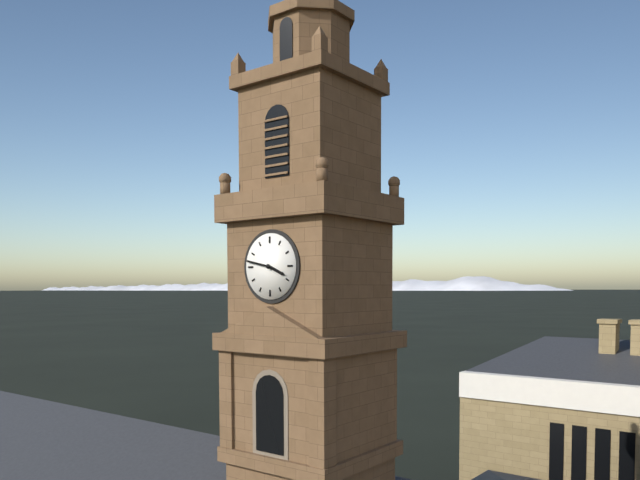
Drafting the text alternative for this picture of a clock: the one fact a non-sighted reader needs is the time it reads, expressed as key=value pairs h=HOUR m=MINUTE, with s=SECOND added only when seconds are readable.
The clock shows h=3 m=47
